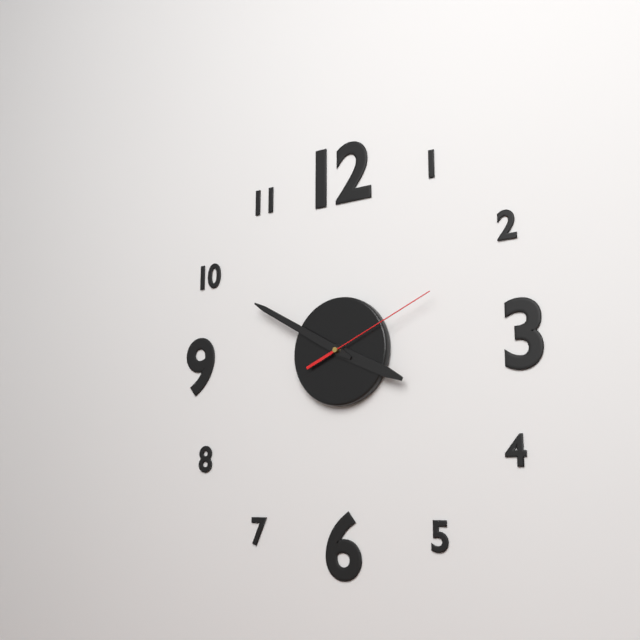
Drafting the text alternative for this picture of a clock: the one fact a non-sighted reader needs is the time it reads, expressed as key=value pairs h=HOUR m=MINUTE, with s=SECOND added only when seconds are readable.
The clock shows h=3 m=50 s=11
